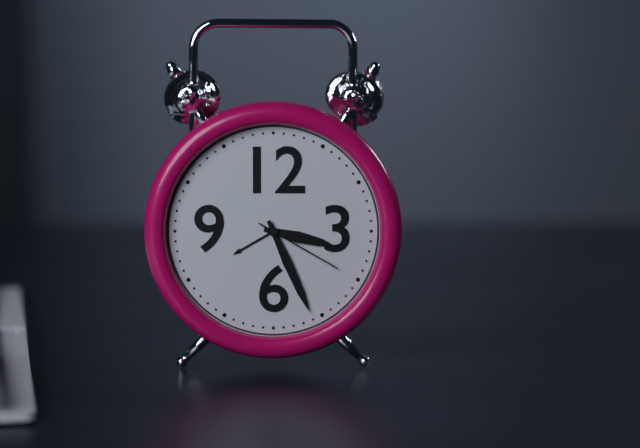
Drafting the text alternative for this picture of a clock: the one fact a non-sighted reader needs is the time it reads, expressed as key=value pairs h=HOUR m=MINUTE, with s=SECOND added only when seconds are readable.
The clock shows h=3 m=26 s=20
